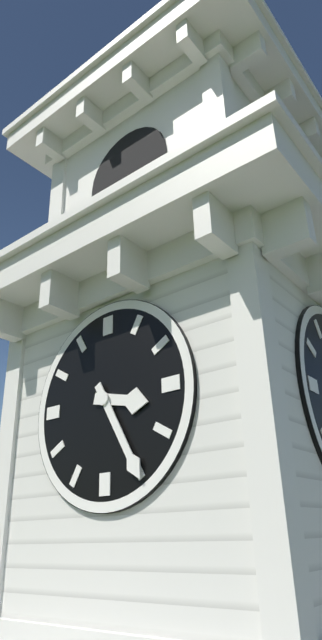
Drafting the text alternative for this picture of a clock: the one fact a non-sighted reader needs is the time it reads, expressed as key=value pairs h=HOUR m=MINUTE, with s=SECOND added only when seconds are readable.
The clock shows h=3 m=25
